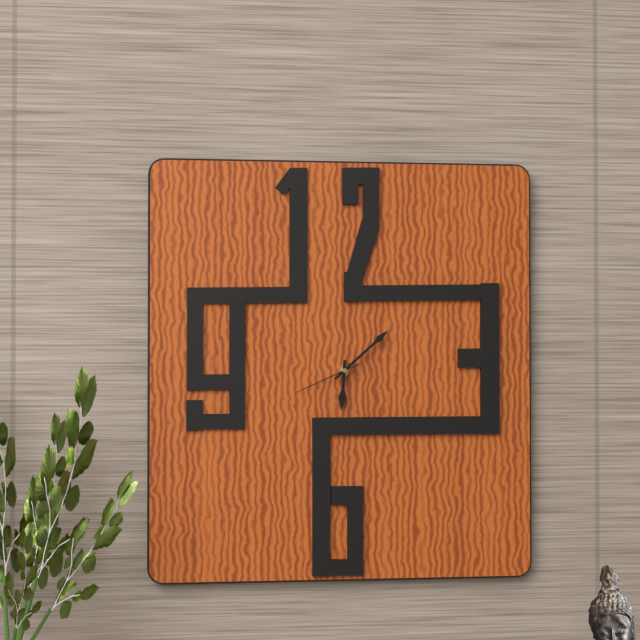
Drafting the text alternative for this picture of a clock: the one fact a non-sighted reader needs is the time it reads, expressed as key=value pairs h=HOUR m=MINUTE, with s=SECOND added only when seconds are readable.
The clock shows h=6 m=8 s=41
